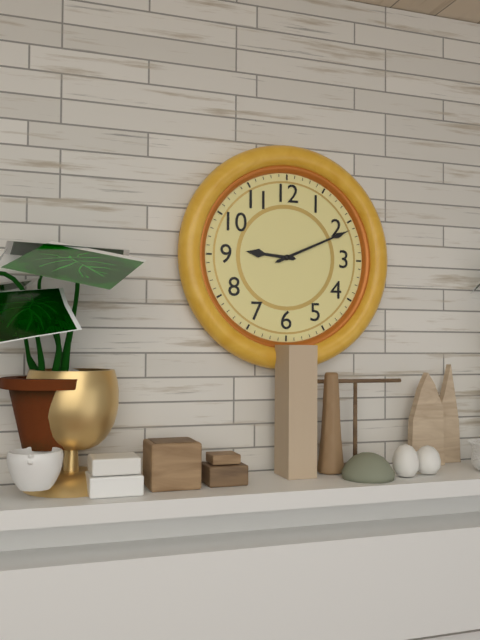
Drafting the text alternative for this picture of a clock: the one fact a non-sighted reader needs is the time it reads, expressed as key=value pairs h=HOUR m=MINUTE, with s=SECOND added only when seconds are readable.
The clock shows h=9 m=11
